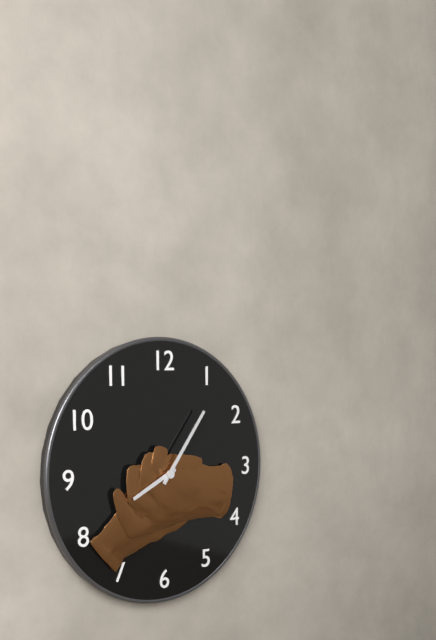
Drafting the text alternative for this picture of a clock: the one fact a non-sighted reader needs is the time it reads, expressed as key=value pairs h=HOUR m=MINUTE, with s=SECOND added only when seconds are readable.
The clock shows h=8 m=6
